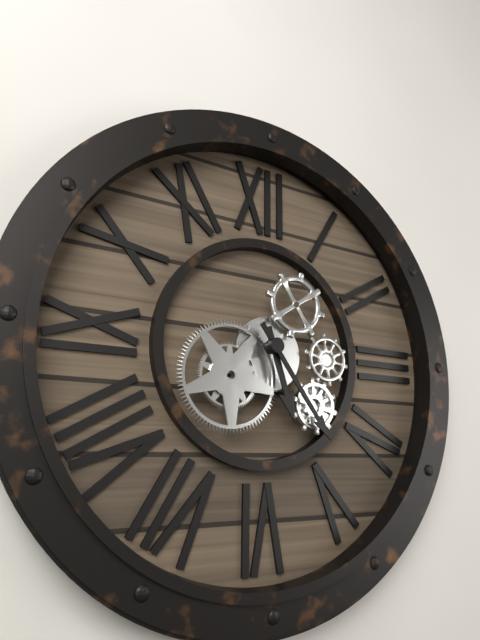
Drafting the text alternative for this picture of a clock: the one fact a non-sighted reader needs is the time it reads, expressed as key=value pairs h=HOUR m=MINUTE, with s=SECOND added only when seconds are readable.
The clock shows h=5 m=24
